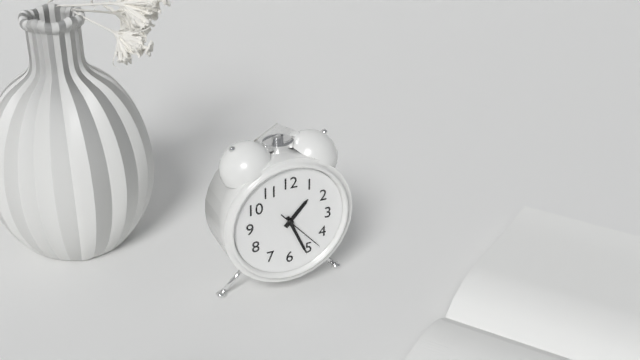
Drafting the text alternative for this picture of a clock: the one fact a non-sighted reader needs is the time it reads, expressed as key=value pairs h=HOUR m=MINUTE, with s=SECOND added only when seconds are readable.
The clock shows h=1 m=26
